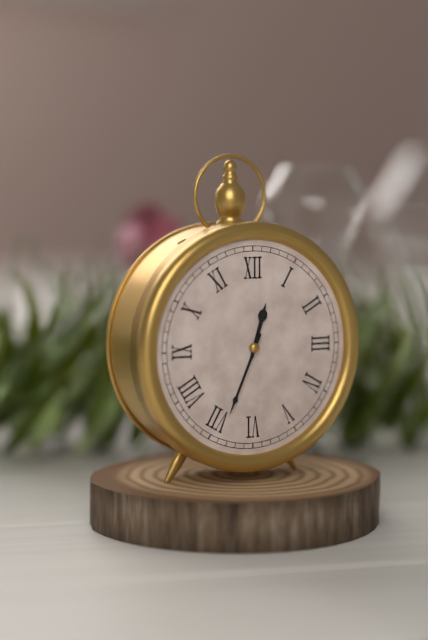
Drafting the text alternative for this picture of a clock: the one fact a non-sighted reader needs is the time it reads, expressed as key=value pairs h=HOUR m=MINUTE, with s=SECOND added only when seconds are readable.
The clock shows h=12 m=34
